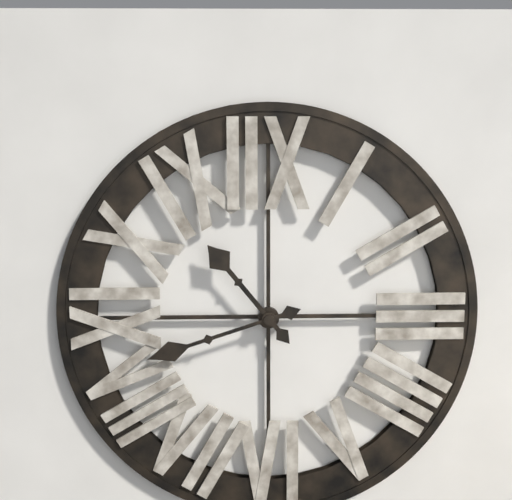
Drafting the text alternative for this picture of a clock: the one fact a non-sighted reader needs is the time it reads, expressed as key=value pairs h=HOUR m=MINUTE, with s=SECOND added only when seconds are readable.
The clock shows h=10 m=42
